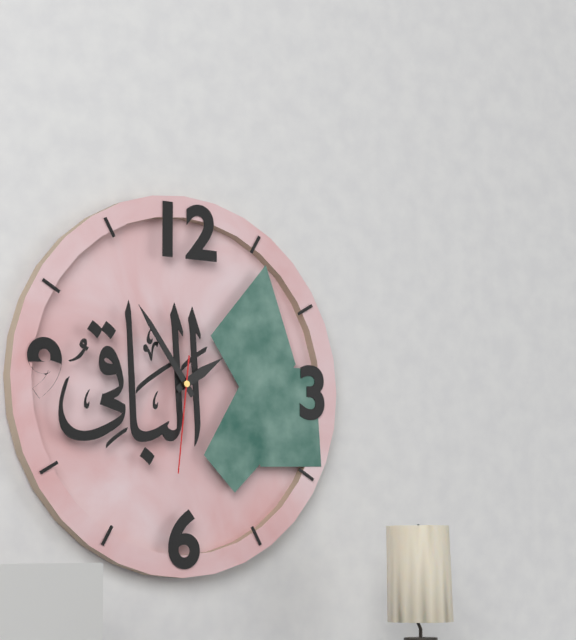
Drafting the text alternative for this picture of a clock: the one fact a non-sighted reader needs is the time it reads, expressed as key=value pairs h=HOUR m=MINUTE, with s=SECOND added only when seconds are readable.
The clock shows h=1 m=54 s=31
